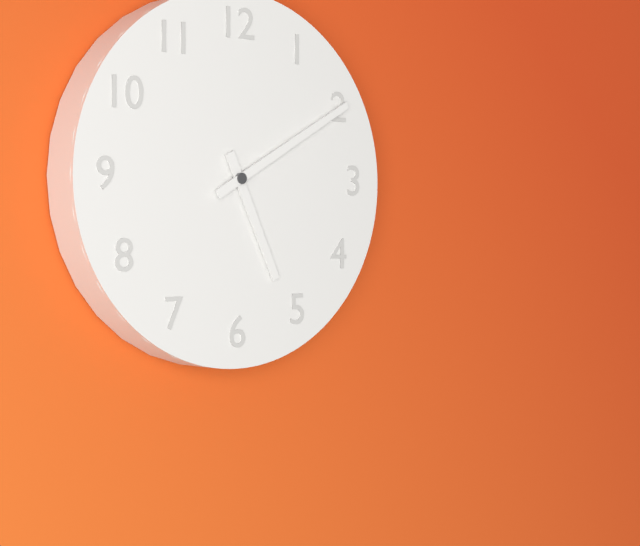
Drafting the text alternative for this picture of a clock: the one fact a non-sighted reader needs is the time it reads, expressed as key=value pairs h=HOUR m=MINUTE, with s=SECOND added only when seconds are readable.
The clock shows h=5 m=10
